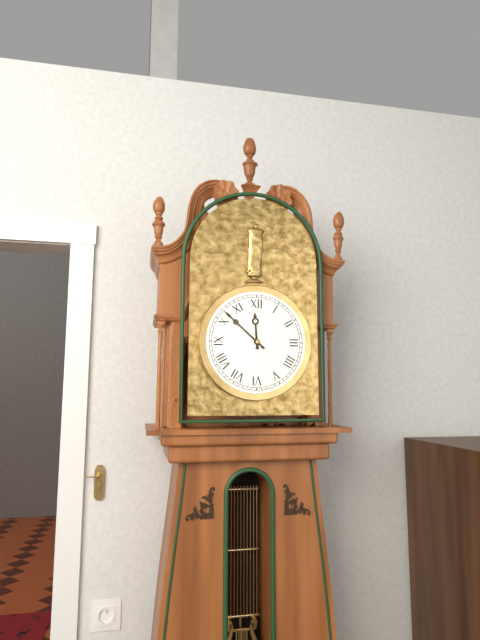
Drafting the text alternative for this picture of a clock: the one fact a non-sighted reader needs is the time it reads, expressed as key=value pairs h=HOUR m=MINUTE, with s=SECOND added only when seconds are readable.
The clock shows h=11 m=52
